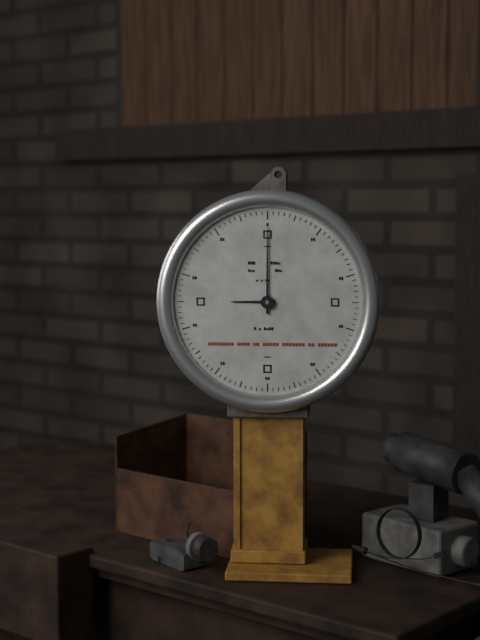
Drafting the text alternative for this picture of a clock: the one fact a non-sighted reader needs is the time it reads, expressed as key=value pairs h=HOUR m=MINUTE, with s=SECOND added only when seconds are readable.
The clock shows h=9 m=0
